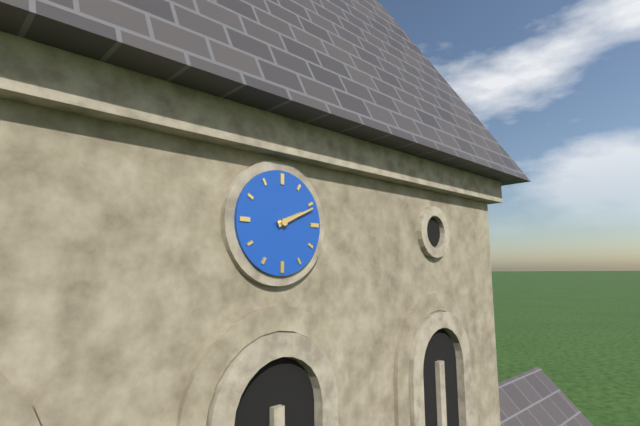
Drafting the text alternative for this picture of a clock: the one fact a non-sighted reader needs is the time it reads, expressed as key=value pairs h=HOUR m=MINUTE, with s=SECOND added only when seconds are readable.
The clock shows h=2 m=11
